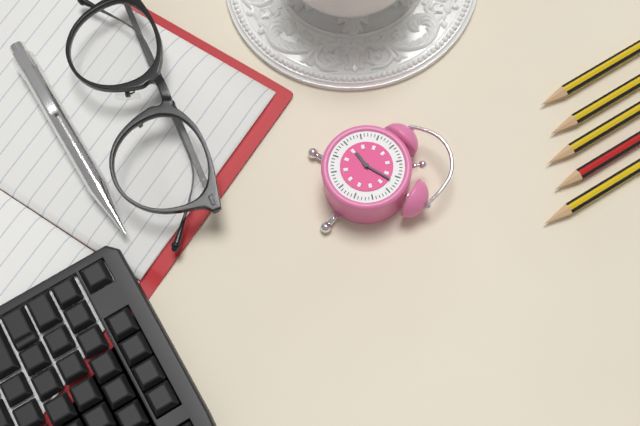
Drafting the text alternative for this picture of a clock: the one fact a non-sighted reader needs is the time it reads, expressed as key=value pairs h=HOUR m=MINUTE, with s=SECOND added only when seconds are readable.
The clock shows h=8 m=7
